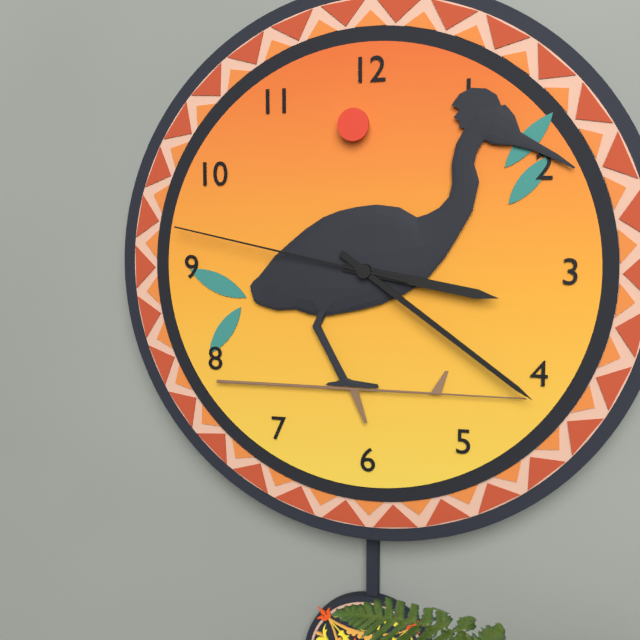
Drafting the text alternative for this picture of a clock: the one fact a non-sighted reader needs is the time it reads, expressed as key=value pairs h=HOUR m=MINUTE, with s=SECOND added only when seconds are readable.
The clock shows h=3 m=21 s=47
